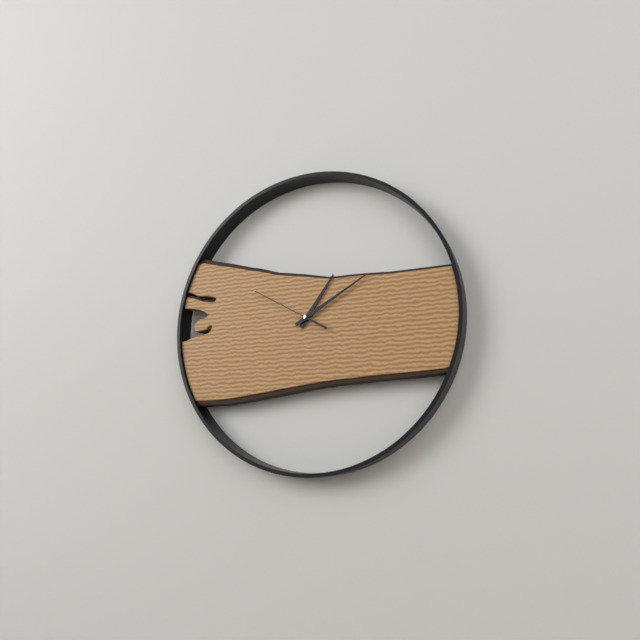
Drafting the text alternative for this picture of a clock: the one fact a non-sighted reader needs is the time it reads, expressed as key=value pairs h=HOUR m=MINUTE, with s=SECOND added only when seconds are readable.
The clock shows h=1 m=10 s=50
